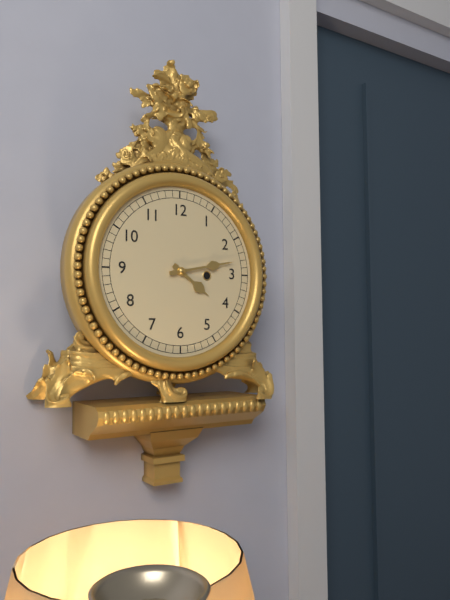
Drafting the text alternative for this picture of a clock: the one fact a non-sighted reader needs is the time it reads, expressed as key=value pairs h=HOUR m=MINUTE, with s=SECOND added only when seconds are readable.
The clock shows h=4 m=13
